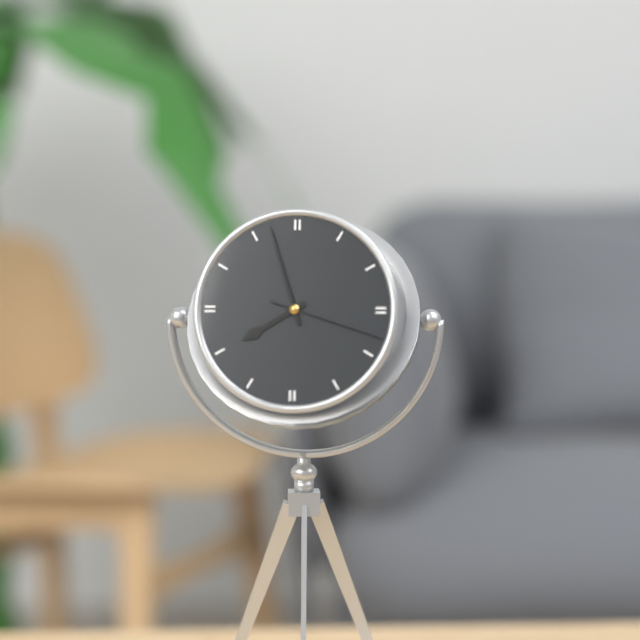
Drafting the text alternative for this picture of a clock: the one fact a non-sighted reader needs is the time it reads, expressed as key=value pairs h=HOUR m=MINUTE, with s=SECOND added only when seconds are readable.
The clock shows h=7 m=57 s=18
